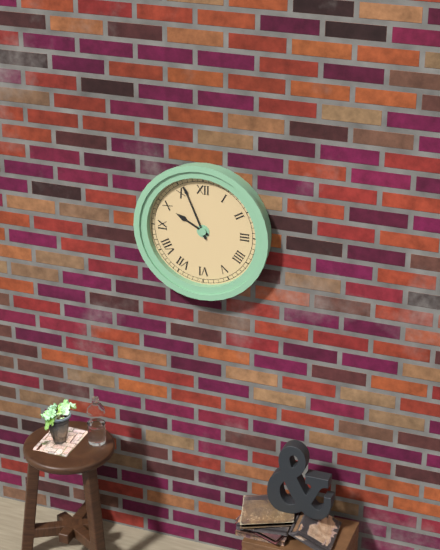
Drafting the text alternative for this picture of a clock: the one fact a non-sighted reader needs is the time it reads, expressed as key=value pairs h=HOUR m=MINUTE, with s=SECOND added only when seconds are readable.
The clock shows h=9 m=56
